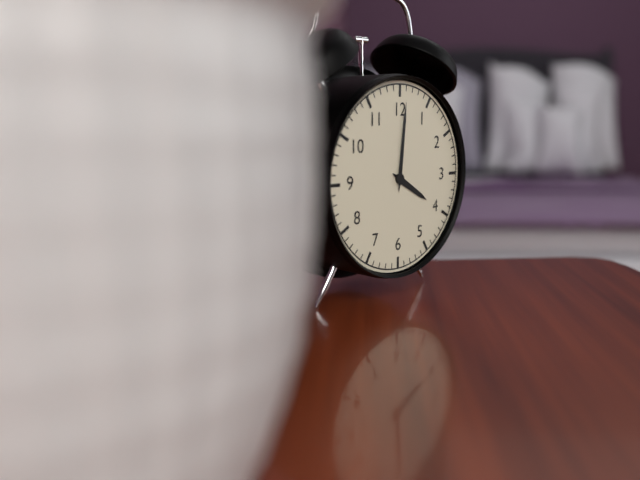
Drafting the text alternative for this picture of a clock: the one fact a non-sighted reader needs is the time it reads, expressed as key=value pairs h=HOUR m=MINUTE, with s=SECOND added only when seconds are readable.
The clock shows h=4 m=1
